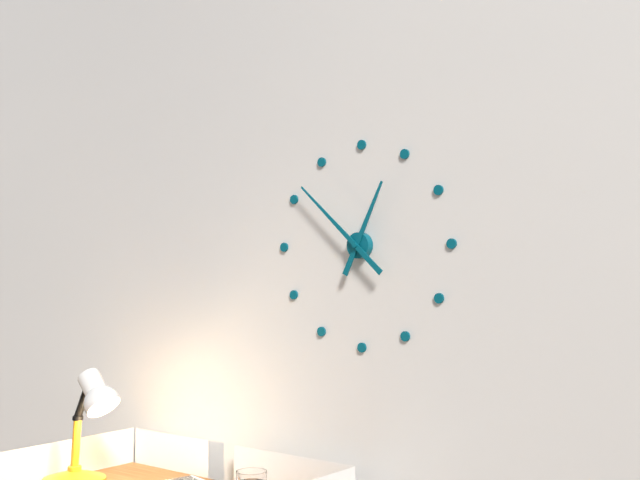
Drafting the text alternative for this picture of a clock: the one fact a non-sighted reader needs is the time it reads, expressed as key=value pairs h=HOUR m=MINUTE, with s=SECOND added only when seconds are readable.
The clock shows h=12 m=52
